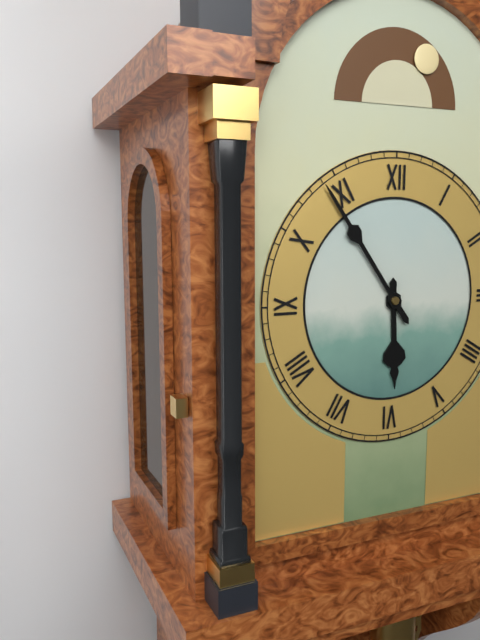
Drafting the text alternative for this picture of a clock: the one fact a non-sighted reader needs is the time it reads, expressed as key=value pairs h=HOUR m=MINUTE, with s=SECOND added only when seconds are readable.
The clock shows h=5 m=54
